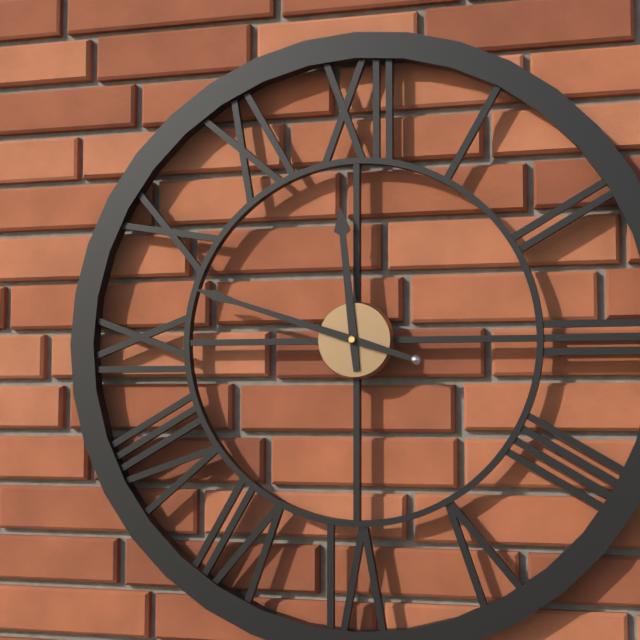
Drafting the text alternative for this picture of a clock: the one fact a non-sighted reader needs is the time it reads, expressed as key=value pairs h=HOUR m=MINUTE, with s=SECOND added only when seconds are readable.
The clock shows h=11 m=48
